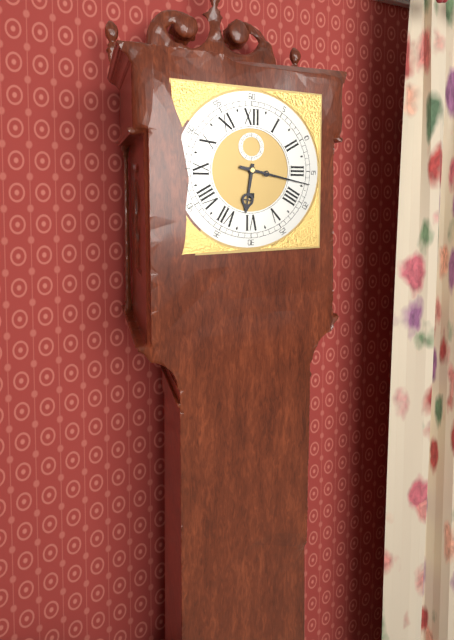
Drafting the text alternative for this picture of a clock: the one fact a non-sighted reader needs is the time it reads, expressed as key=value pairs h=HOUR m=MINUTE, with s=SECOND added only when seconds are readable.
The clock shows h=6 m=17
